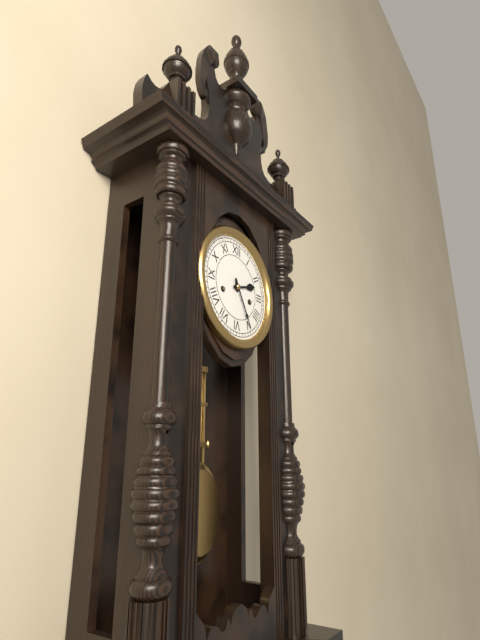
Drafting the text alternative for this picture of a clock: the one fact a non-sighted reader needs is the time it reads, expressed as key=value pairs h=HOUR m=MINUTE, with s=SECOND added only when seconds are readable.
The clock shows h=2 m=25
